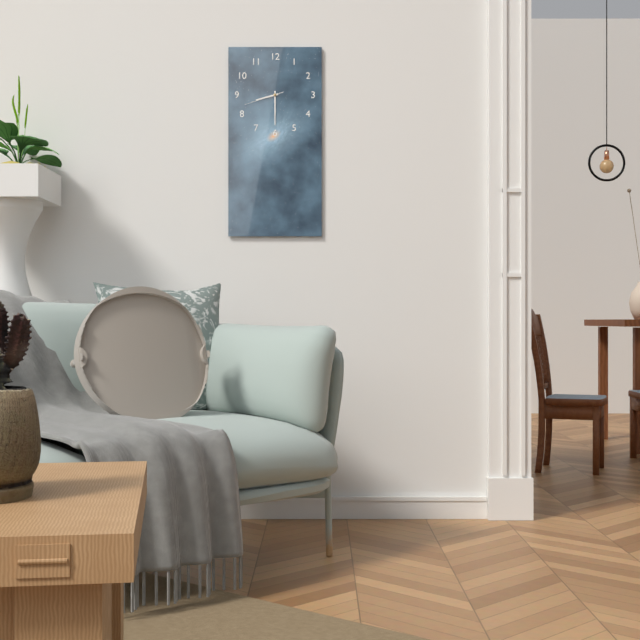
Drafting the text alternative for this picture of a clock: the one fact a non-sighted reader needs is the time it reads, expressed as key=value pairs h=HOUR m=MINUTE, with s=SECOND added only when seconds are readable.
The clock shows h=8 m=30
